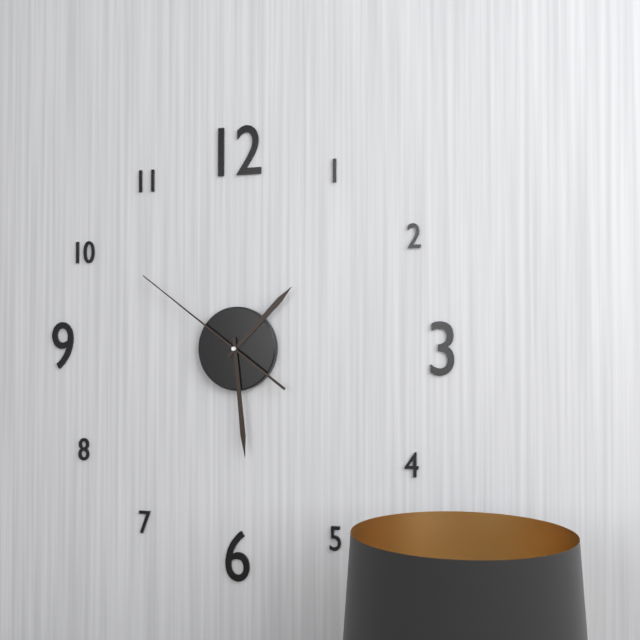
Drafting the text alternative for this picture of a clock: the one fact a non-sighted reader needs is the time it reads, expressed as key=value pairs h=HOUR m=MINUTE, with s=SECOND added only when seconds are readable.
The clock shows h=1 m=29 s=51
